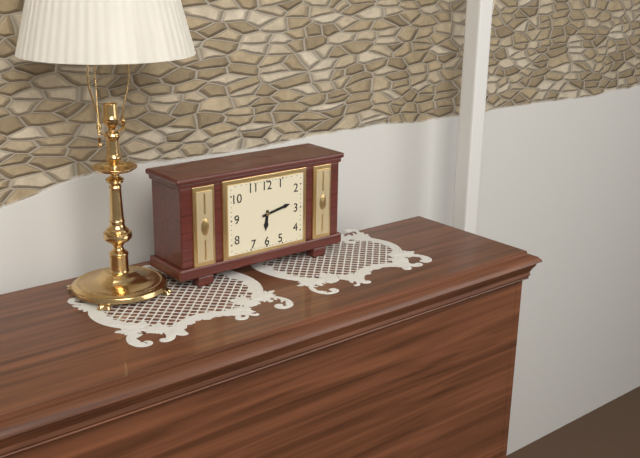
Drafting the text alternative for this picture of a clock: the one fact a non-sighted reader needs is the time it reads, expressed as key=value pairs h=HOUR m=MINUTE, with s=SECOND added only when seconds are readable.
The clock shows h=6 m=13
